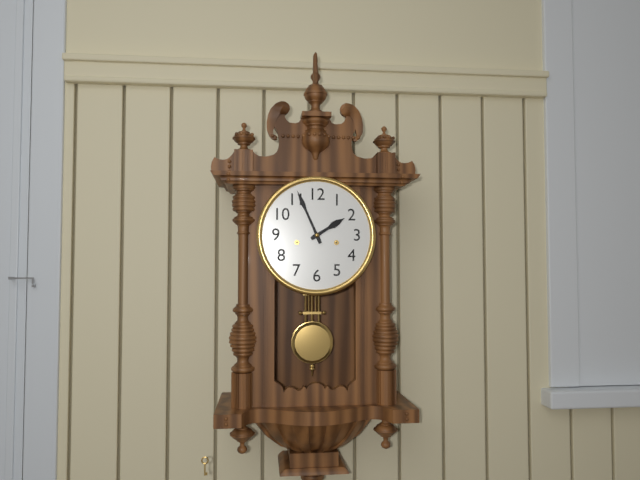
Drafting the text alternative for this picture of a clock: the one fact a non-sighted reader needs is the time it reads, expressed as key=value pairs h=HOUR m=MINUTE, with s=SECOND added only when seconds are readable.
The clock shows h=1 m=56
